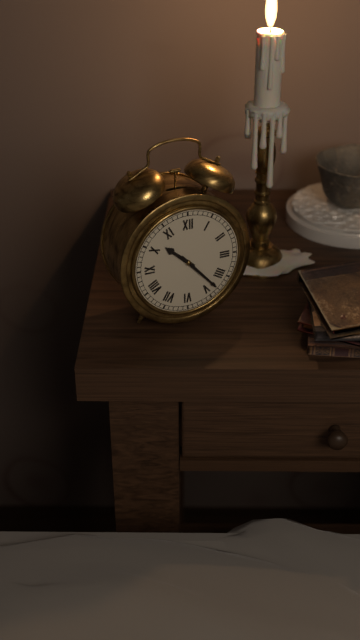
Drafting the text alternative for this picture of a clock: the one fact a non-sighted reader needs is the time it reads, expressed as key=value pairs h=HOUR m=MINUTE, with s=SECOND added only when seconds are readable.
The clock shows h=10 m=23
